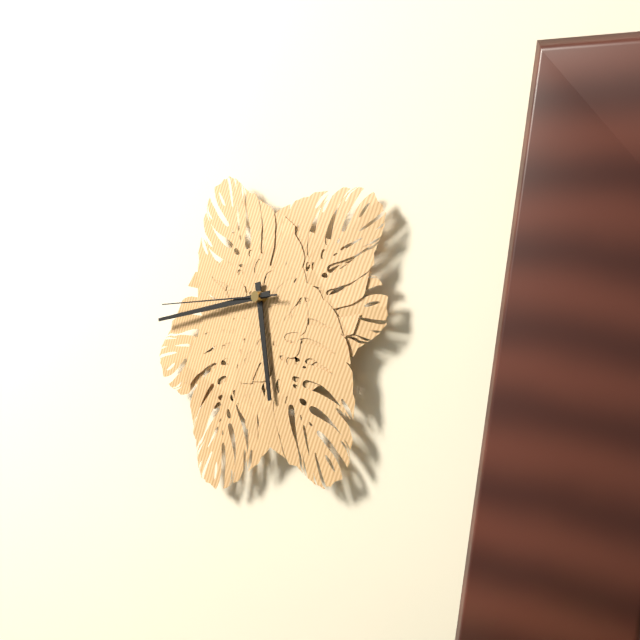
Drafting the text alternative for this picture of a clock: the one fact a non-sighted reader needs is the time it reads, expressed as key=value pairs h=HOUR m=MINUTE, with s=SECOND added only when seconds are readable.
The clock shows h=5 m=44 s=45
